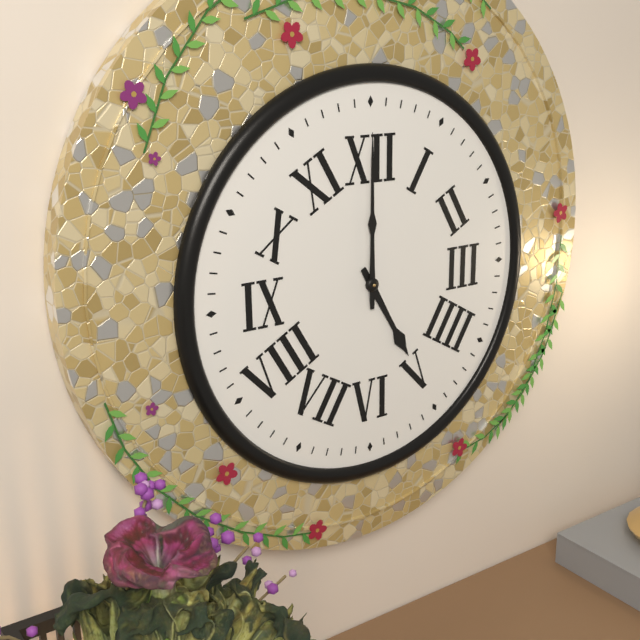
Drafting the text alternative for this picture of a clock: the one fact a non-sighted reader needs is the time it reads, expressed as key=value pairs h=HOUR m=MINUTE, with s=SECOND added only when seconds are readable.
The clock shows h=5 m=0
